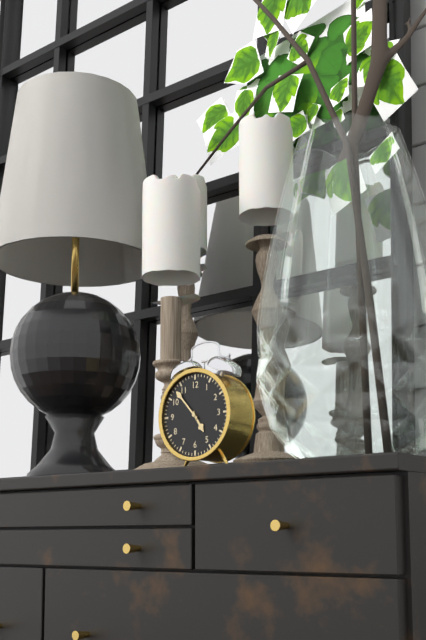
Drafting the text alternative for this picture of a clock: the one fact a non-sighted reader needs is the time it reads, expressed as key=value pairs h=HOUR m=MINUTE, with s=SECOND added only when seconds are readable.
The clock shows h=4 m=53
